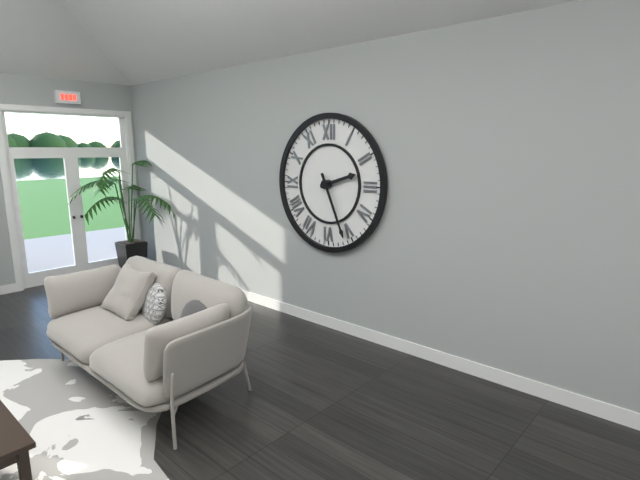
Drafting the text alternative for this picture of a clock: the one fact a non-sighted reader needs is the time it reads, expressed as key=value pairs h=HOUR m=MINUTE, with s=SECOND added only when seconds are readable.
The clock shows h=2 m=26
